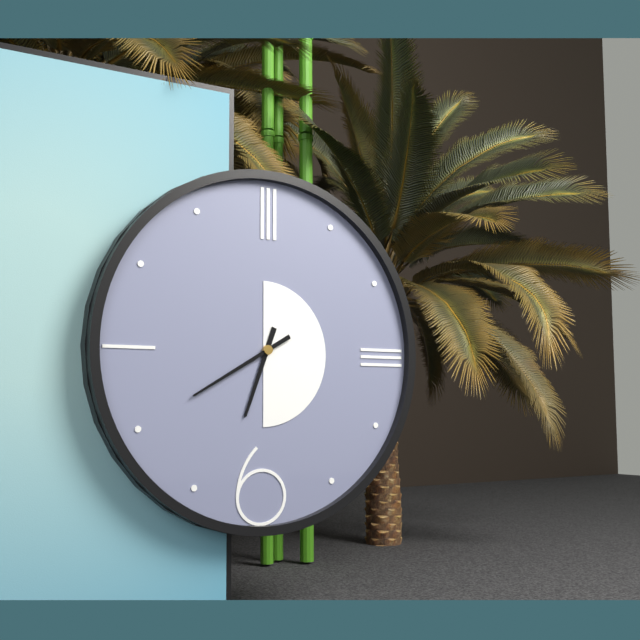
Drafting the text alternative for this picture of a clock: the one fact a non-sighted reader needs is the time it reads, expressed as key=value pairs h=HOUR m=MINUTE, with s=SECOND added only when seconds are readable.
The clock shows h=6 m=40
